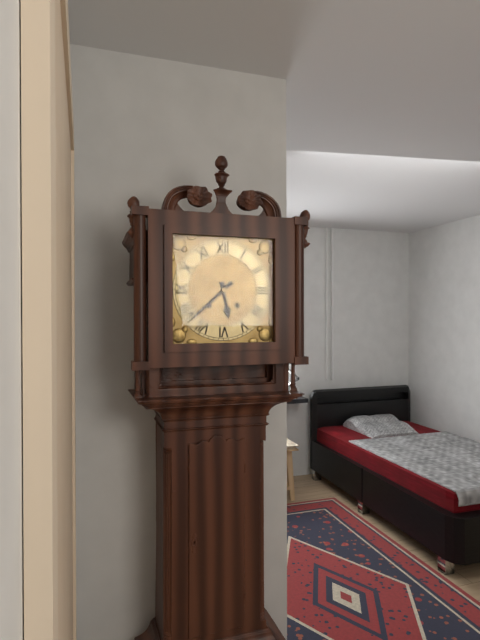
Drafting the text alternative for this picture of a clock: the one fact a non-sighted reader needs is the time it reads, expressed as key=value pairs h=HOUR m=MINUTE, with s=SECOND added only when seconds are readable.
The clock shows h=5 m=38
